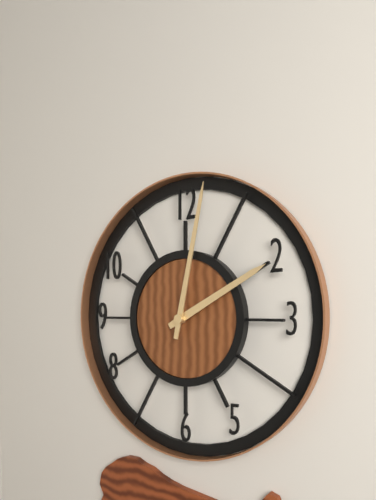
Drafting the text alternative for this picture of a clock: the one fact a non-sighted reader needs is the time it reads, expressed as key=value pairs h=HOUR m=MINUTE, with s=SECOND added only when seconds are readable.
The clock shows h=2 m=2
